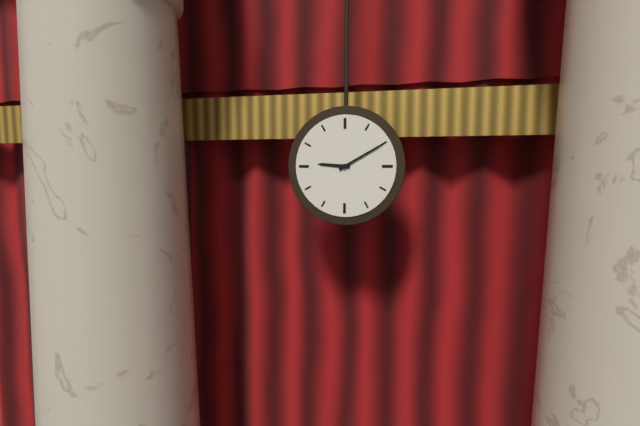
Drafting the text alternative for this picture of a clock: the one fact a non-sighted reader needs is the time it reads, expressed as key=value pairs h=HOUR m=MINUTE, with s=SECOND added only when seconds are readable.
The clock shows h=9 m=10
